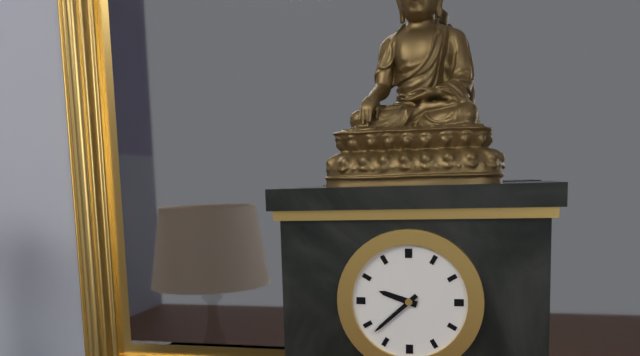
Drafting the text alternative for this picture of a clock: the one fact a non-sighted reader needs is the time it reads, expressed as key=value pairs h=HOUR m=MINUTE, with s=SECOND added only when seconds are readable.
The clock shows h=9 m=38
